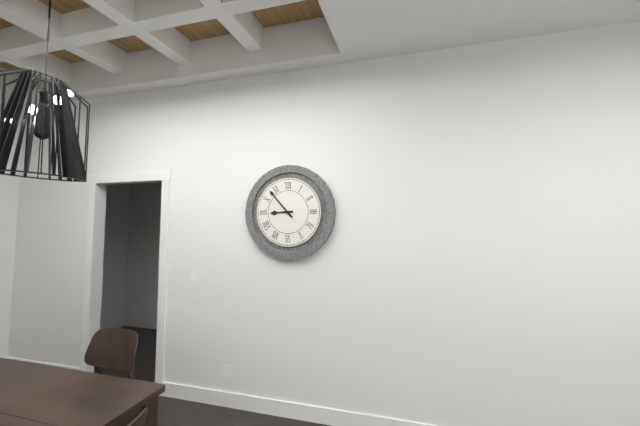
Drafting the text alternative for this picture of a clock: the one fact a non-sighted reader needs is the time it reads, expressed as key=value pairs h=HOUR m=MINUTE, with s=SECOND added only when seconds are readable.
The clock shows h=8 m=53
